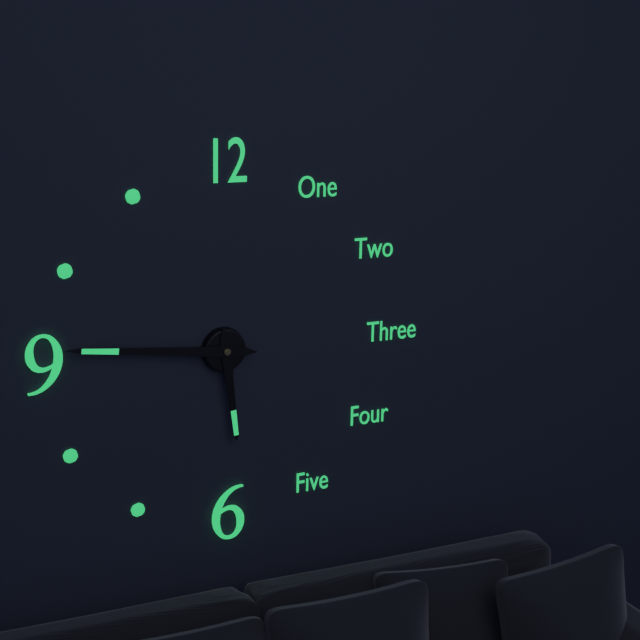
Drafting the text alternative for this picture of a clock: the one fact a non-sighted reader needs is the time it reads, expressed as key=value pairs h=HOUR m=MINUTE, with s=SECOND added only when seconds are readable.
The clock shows h=5 m=46
